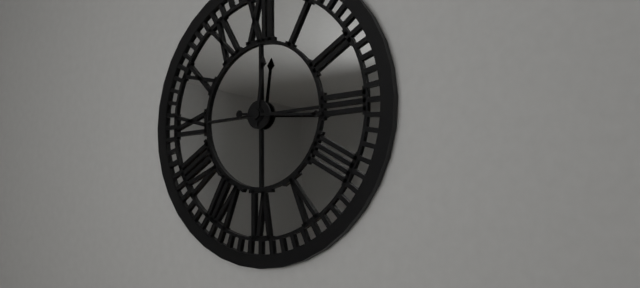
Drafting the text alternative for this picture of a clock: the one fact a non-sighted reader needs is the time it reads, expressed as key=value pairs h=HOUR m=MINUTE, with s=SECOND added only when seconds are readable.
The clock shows h=12 m=16
